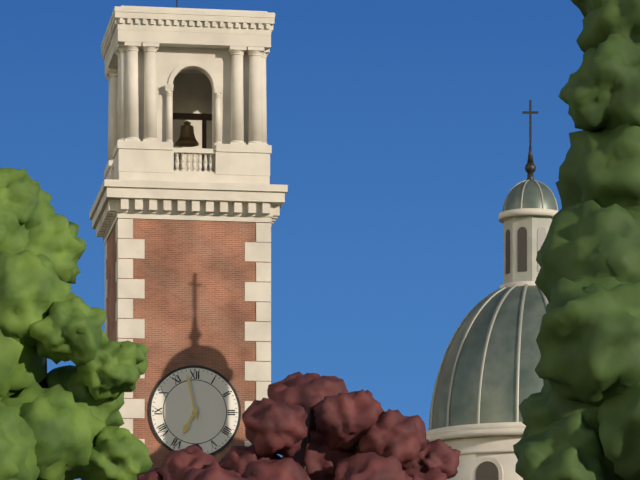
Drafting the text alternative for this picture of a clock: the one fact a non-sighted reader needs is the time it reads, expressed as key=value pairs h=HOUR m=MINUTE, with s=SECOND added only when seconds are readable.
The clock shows h=6 m=58
